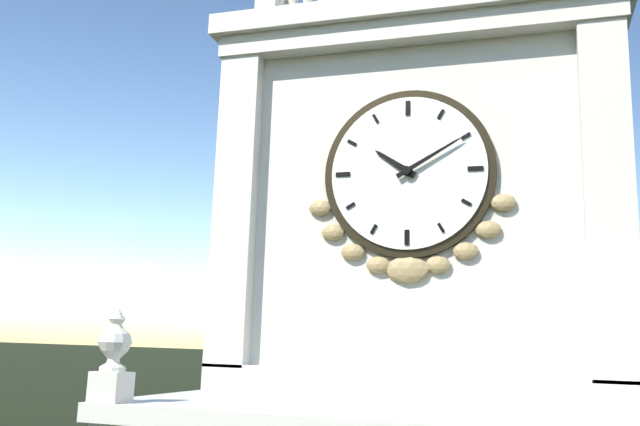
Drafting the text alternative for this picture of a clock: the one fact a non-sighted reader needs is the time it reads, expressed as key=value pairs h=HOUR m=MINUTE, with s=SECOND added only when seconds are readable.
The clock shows h=10 m=10
